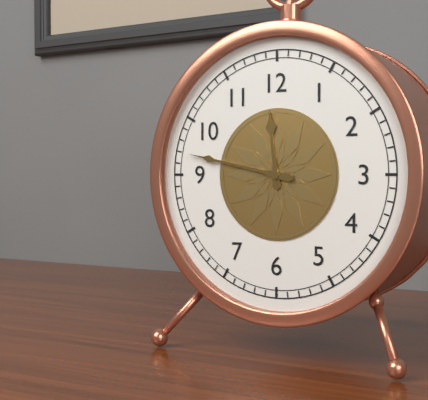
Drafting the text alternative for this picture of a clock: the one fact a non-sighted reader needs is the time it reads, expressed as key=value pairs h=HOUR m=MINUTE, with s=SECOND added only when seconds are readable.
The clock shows h=11 m=47
